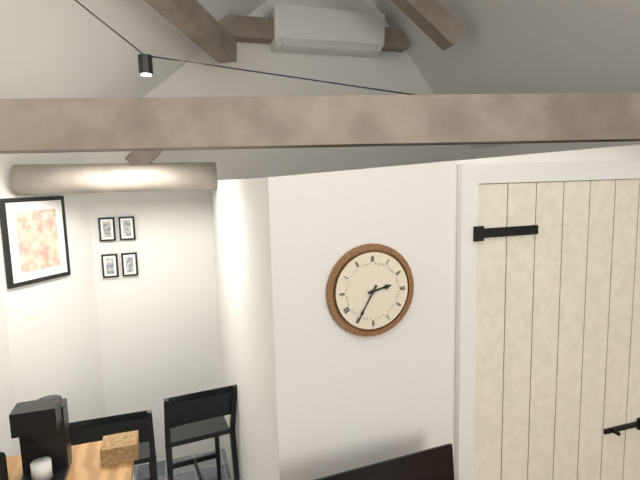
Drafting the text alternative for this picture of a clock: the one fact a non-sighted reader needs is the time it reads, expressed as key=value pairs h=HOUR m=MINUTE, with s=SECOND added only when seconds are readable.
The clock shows h=2 m=35
